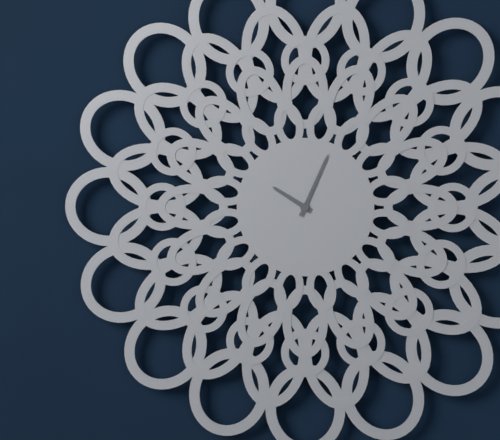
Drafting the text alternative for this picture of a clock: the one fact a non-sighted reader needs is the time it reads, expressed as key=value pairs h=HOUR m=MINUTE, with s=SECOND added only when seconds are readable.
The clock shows h=10 m=4
